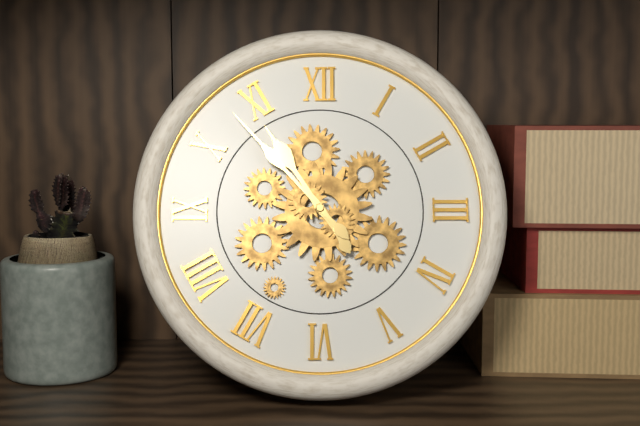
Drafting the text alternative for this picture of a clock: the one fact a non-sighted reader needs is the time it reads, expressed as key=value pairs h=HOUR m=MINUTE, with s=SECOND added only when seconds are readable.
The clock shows h=10 m=53
